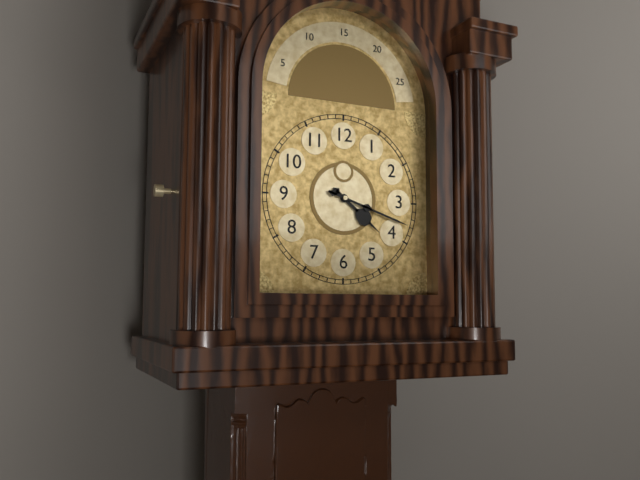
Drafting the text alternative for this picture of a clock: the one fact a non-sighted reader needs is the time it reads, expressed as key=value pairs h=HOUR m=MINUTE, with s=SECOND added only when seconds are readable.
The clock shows h=4 m=18
